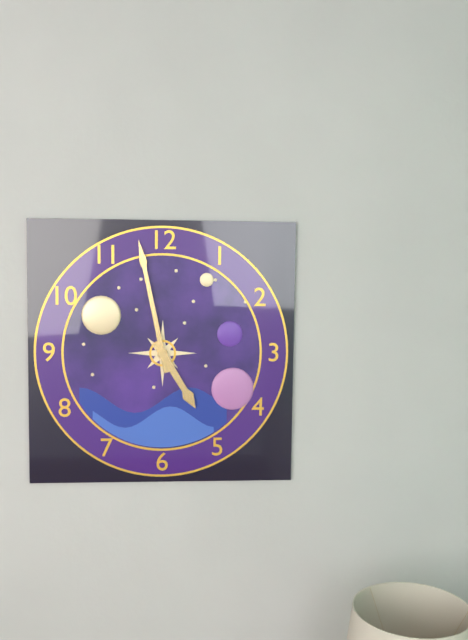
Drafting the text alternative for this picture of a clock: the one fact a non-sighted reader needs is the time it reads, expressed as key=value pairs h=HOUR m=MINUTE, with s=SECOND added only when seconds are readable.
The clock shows h=4 m=58
